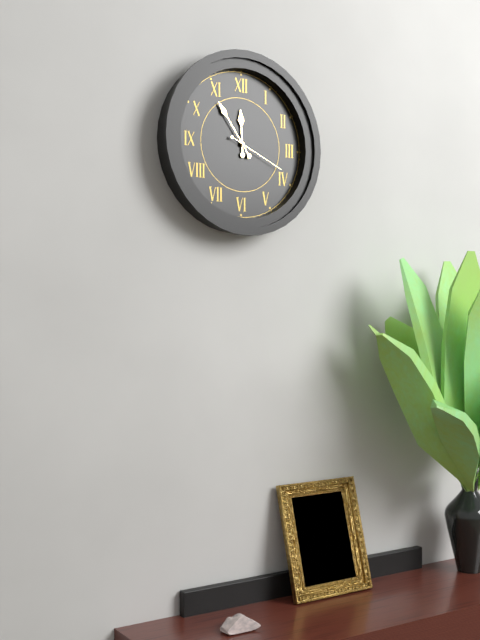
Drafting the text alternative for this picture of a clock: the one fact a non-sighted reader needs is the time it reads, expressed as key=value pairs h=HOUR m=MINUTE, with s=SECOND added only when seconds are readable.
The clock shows h=11 m=54 s=19
